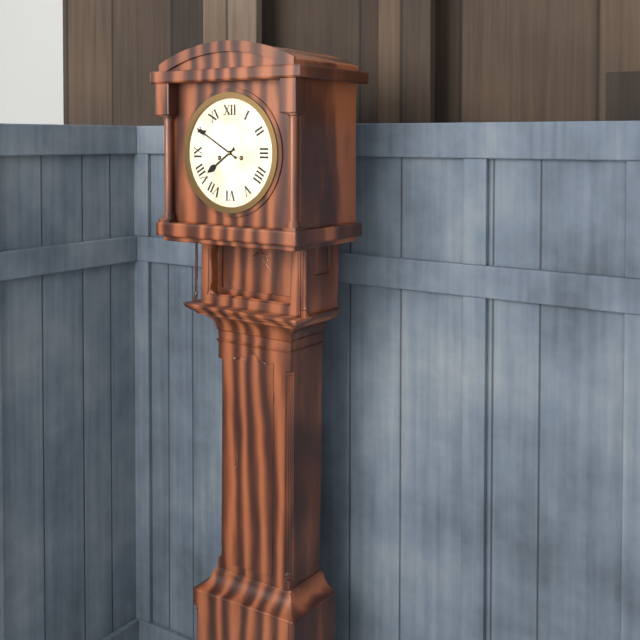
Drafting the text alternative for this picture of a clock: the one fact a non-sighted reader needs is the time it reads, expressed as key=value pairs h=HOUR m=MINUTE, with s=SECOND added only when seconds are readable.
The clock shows h=7 m=50
